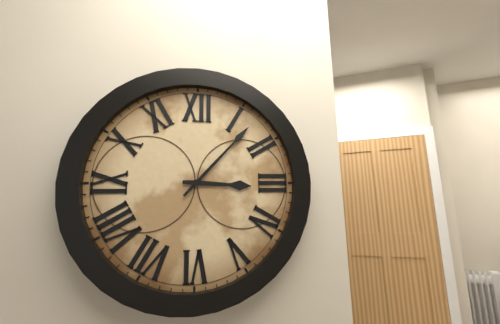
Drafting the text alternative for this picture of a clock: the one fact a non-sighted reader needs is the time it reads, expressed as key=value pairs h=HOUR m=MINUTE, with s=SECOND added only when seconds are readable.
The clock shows h=3 m=7
